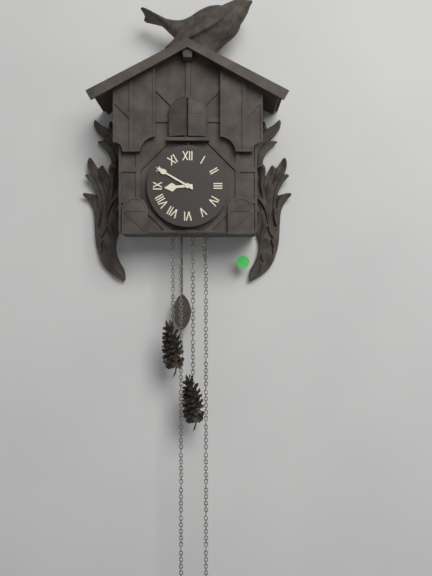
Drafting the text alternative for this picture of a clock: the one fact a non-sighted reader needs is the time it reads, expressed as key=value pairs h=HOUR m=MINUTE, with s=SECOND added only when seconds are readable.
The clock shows h=8 m=50
